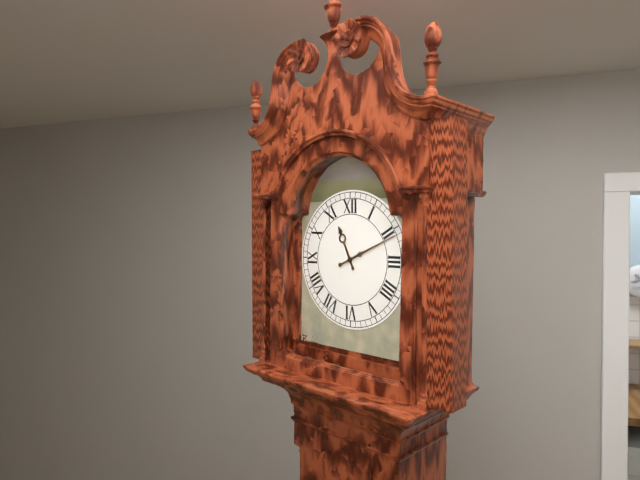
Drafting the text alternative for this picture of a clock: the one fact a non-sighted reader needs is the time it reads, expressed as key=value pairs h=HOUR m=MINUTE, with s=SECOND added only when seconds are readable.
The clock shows h=11 m=11
